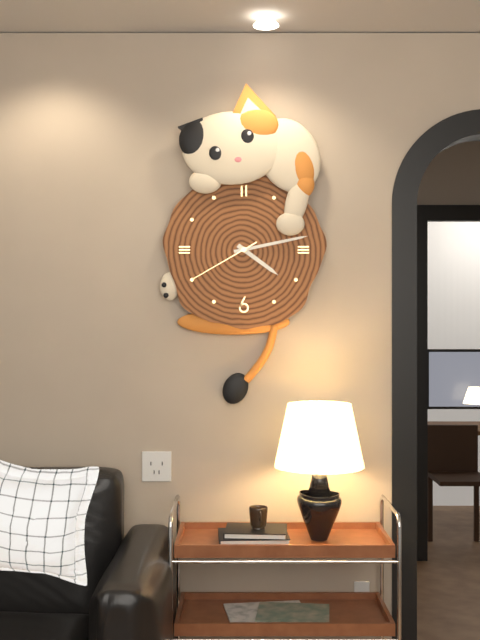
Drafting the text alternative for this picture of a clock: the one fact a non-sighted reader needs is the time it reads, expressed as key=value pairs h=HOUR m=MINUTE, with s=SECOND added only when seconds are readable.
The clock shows h=4 m=13 s=40
